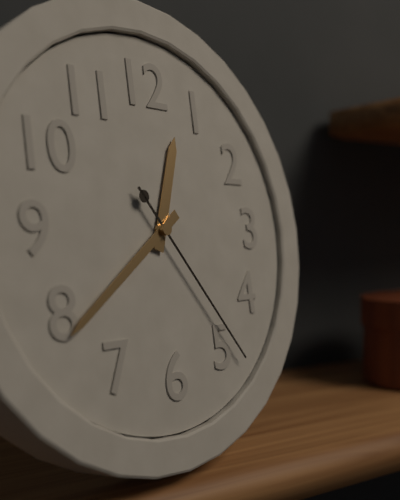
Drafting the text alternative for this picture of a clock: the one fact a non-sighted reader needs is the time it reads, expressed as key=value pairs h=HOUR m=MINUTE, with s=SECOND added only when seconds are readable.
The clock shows h=12 m=39 s=24
